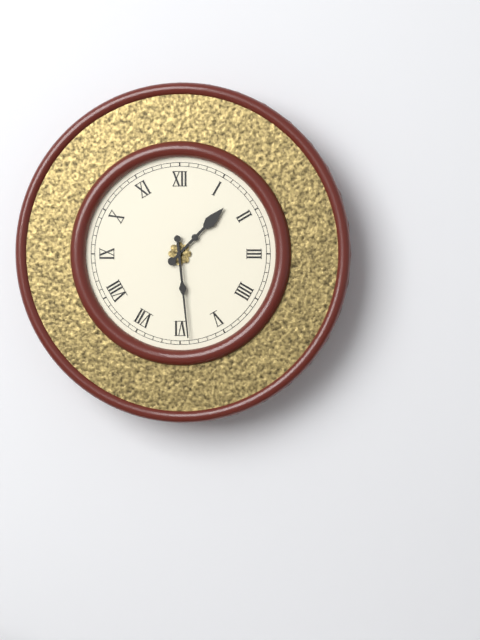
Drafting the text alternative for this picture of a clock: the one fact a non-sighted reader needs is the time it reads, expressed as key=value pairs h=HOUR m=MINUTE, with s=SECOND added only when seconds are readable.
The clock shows h=1 m=29
